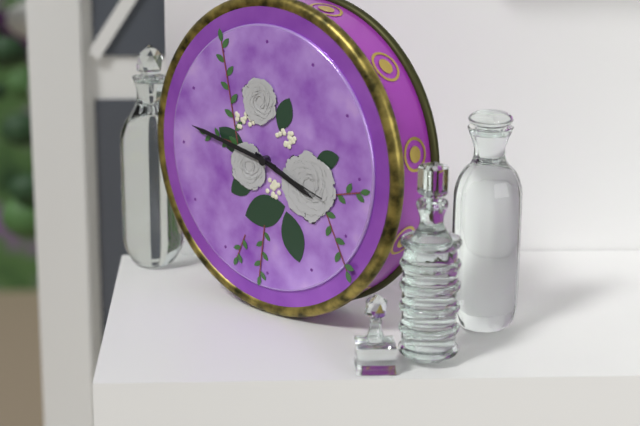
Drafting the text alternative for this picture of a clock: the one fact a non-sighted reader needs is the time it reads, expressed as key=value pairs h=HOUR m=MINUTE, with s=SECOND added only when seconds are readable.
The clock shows h=3 m=47 s=18
